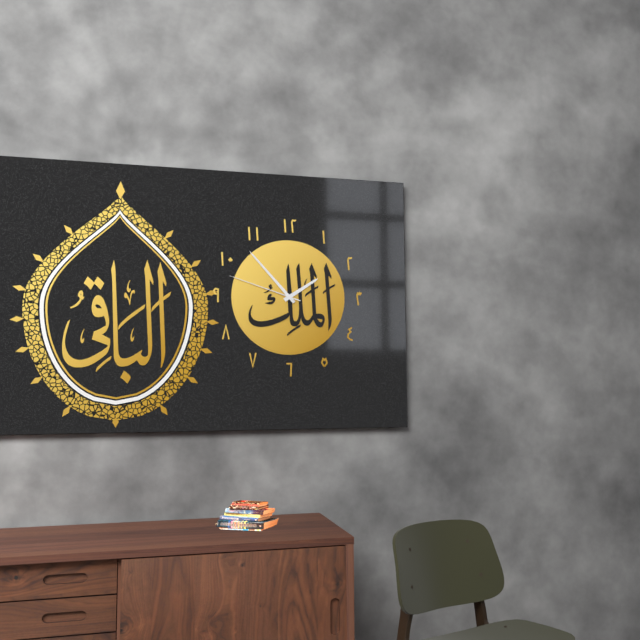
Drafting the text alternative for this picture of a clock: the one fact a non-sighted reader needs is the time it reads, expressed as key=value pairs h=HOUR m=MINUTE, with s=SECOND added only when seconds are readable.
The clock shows h=1 m=53 s=48
